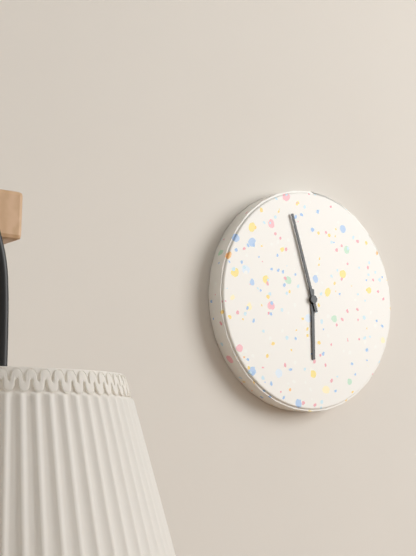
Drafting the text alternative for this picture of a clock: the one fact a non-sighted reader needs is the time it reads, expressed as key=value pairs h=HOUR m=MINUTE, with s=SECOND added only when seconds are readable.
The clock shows h=5 m=57
